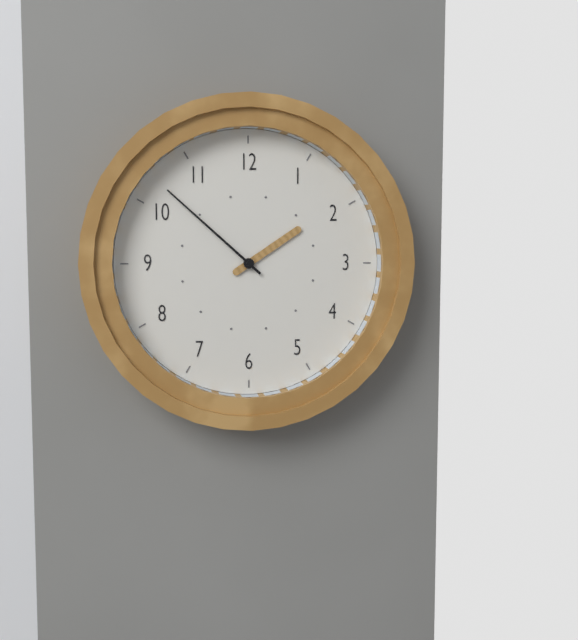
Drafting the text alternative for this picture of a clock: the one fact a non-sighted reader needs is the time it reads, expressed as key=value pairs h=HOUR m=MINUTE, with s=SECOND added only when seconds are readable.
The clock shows h=1 m=52
